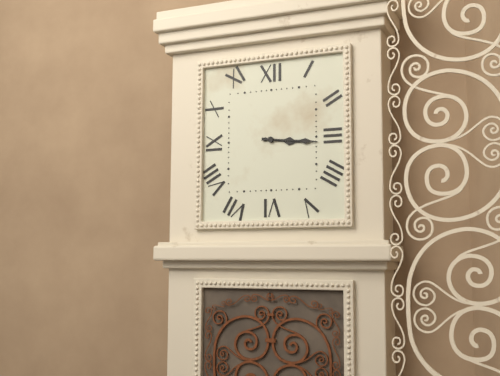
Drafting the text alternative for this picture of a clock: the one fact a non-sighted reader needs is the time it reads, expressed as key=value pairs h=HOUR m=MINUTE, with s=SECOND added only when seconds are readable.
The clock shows h=3 m=16
